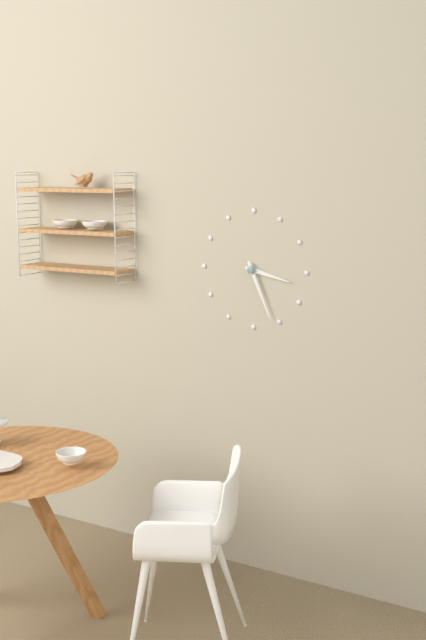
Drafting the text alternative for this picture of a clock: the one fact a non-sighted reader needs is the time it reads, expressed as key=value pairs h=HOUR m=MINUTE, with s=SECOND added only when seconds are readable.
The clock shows h=3 m=26
